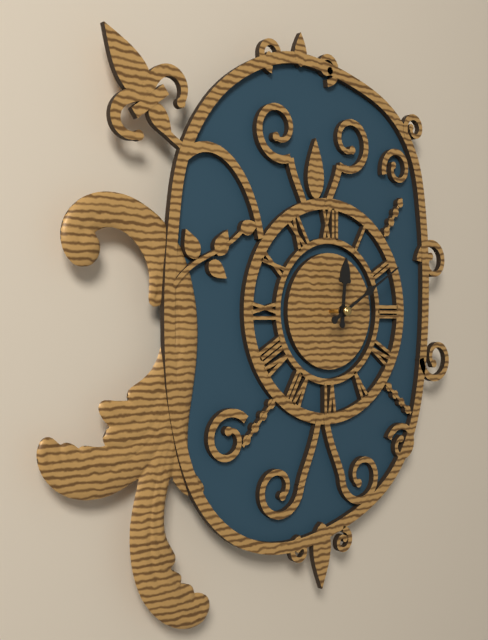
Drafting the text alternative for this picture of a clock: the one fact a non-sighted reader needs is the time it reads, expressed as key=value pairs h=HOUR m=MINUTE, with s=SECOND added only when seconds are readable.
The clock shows h=12 m=10
